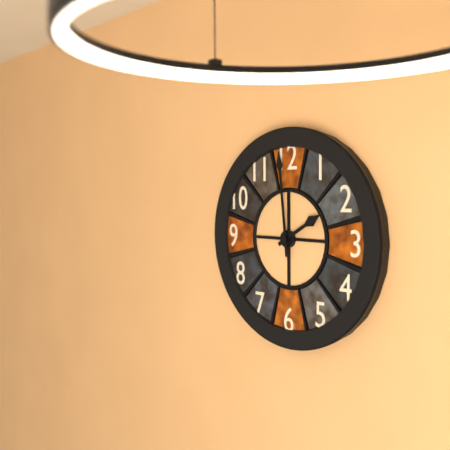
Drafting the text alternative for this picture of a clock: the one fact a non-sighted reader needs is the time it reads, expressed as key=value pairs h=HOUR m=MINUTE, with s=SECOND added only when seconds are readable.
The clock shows h=1 m=59
